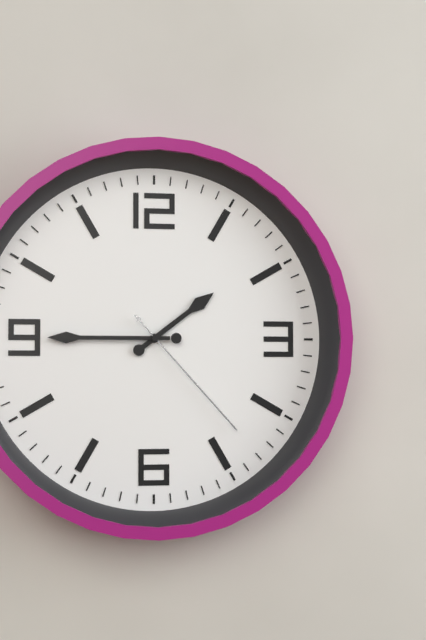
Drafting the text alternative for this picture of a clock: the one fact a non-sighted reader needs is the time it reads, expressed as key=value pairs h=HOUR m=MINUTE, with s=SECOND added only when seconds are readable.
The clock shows h=1 m=45 s=23
